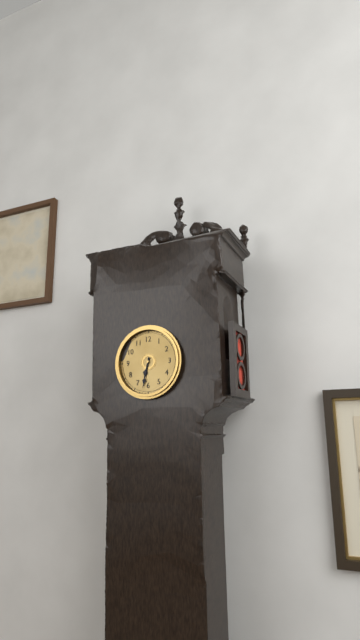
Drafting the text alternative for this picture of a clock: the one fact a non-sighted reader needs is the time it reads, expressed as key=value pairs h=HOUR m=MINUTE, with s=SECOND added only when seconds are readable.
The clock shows h=6 m=32
